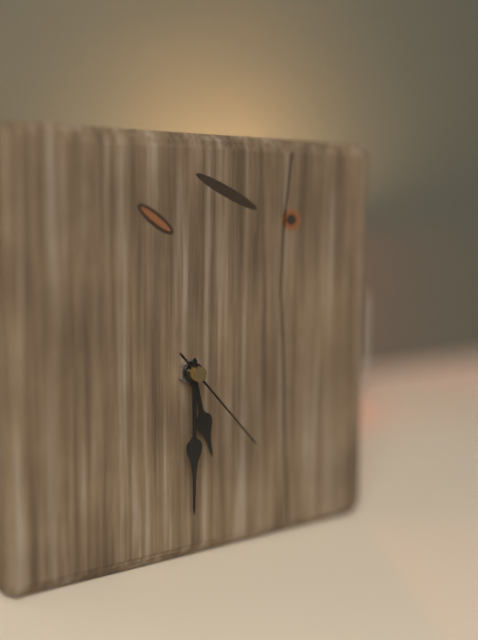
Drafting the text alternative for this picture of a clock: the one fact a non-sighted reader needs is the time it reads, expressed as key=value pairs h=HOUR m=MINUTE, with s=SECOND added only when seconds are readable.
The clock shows h=5 m=30 s=23
